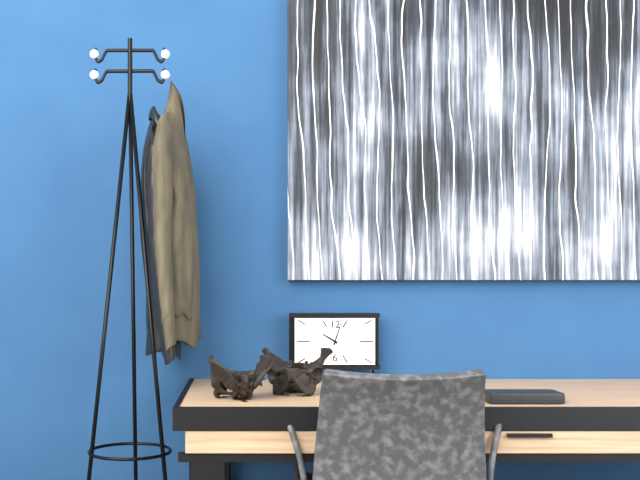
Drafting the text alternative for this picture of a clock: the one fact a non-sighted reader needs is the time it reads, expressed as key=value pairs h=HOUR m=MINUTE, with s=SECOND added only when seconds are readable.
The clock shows h=10 m=3
